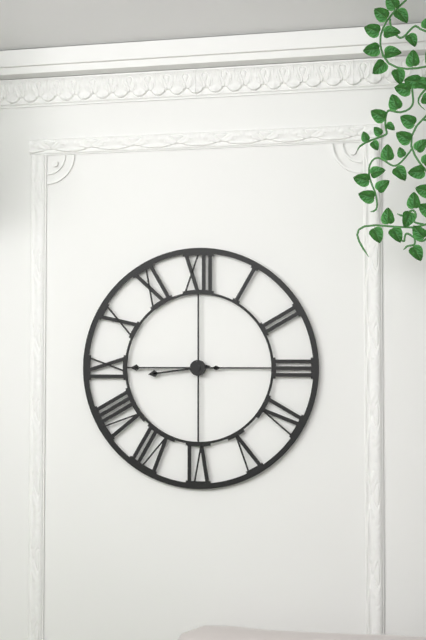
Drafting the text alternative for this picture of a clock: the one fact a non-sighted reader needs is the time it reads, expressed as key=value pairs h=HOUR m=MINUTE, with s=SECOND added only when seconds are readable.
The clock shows h=8 m=45
